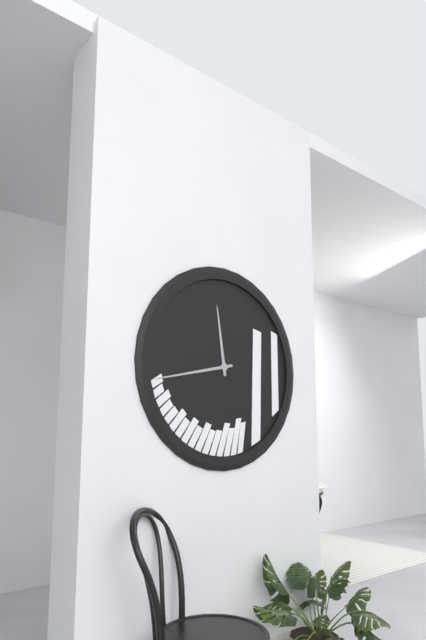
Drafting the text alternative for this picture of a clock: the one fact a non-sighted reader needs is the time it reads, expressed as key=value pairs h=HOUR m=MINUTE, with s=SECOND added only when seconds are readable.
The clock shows h=11 m=43
